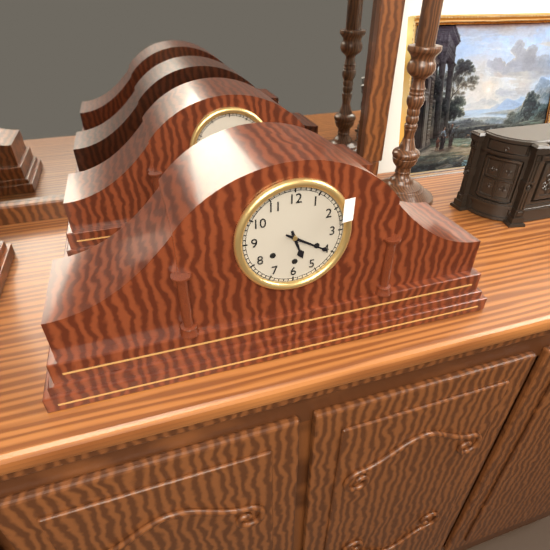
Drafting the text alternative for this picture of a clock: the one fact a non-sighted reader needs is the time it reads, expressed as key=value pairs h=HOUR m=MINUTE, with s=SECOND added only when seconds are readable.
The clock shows h=5 m=20
